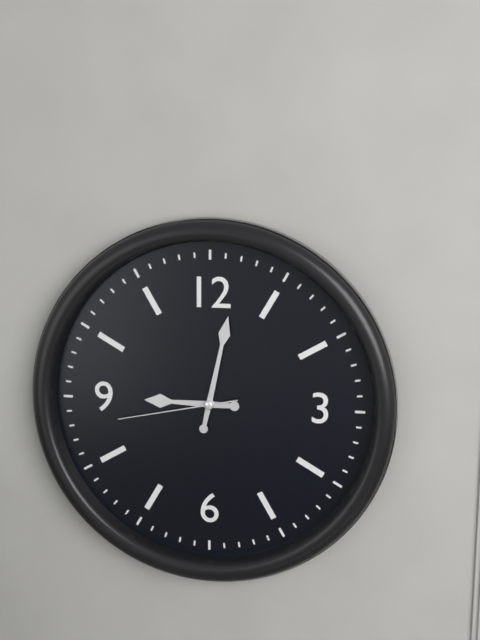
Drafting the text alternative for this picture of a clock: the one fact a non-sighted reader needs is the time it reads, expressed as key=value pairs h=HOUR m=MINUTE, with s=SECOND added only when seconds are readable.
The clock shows h=9 m=2 s=43
